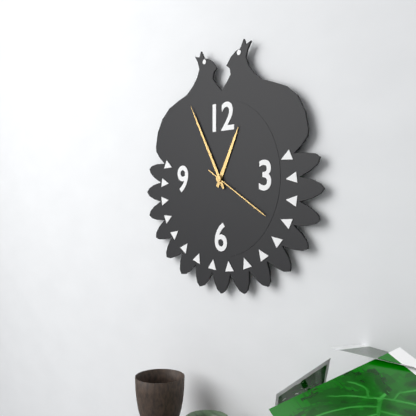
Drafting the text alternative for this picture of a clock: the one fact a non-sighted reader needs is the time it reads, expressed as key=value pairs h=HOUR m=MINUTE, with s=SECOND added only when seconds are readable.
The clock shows h=12 m=55 s=20
